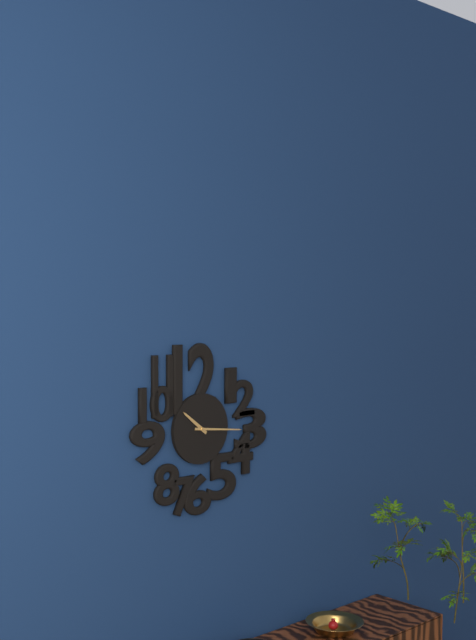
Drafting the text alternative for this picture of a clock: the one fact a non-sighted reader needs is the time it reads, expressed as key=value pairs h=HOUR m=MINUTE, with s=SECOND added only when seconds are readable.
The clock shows h=10 m=16
